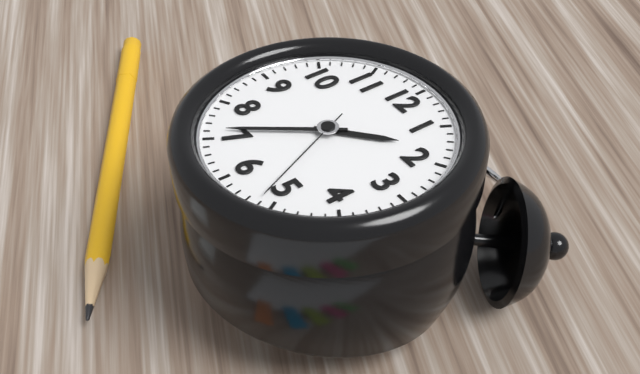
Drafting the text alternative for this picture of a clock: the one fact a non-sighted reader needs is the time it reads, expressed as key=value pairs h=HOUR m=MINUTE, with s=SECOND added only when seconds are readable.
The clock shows h=1 m=36 s=26
